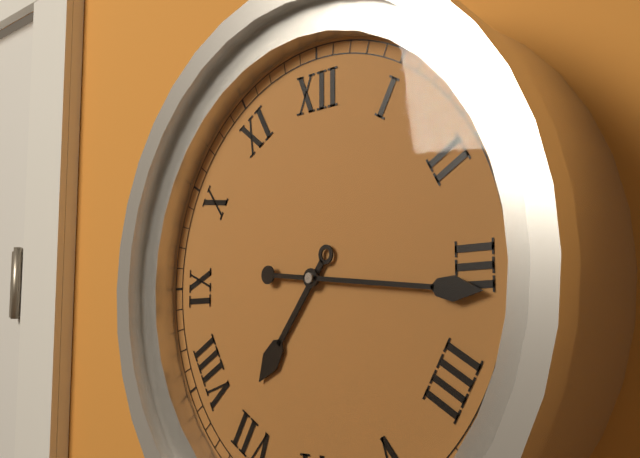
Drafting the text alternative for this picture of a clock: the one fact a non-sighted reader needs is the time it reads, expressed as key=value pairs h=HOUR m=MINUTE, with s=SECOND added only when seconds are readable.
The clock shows h=7 m=16
